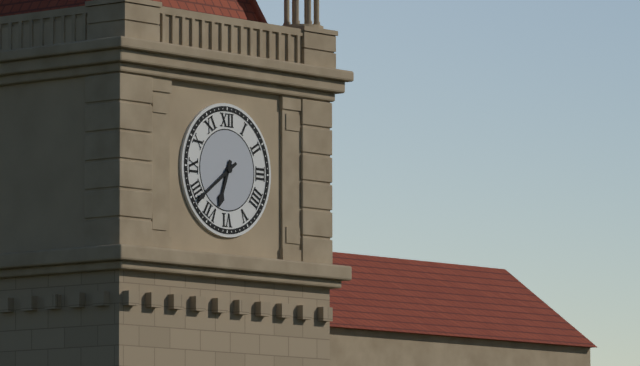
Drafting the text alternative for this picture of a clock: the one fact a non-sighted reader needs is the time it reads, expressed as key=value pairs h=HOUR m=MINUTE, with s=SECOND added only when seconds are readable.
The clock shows h=6 m=39
